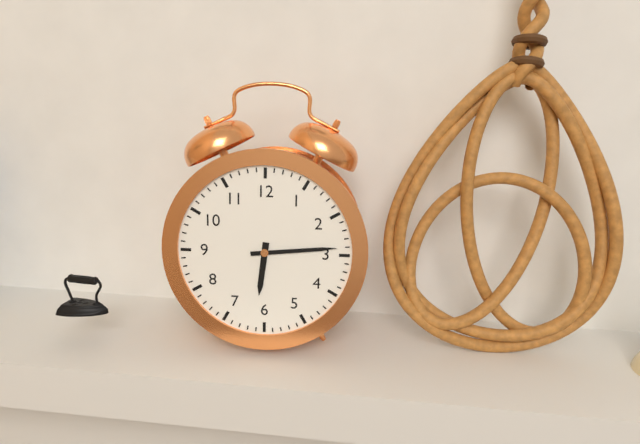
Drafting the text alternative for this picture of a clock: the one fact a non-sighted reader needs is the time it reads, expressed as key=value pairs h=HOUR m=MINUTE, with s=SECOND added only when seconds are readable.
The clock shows h=6 m=14
